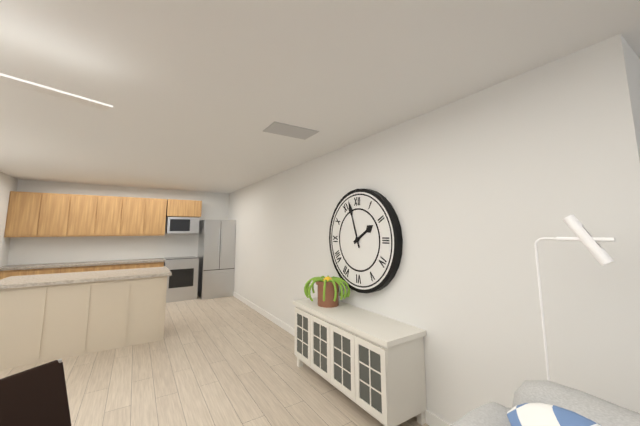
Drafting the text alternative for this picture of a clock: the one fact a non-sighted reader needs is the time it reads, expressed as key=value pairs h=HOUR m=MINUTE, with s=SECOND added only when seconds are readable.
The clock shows h=1 m=57
